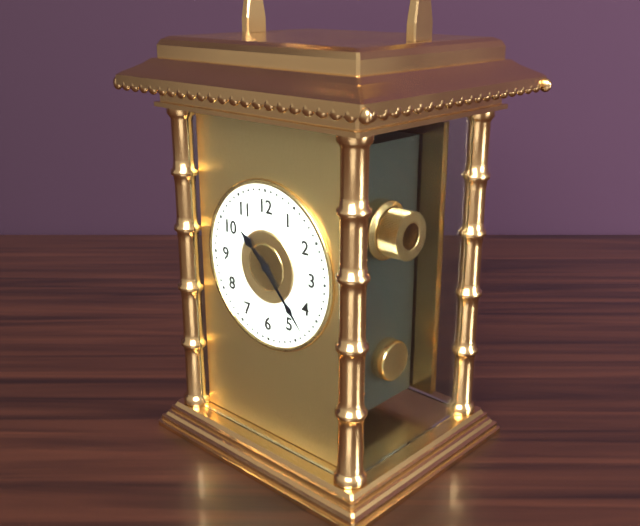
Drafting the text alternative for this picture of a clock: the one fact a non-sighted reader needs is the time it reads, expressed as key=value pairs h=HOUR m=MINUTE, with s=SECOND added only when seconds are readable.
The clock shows h=10 m=23
